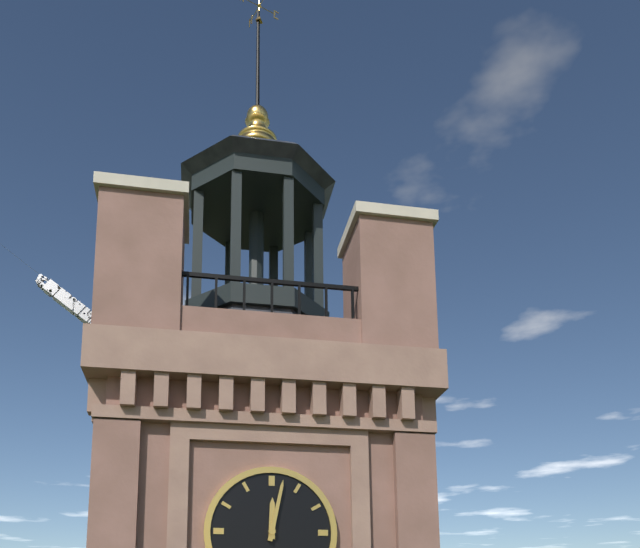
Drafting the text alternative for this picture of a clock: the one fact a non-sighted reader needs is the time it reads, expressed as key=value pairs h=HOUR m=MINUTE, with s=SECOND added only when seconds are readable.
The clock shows h=12 m=2
